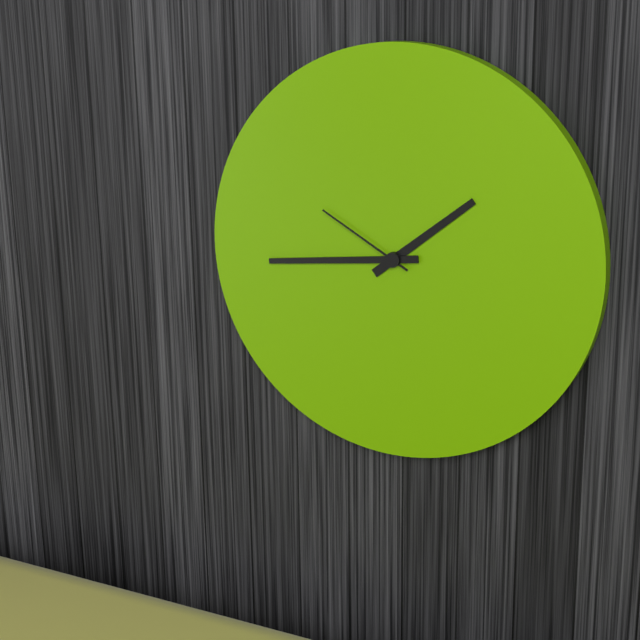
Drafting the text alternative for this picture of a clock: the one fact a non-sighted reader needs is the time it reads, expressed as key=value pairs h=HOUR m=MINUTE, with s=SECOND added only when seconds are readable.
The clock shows h=1 m=44 s=50
